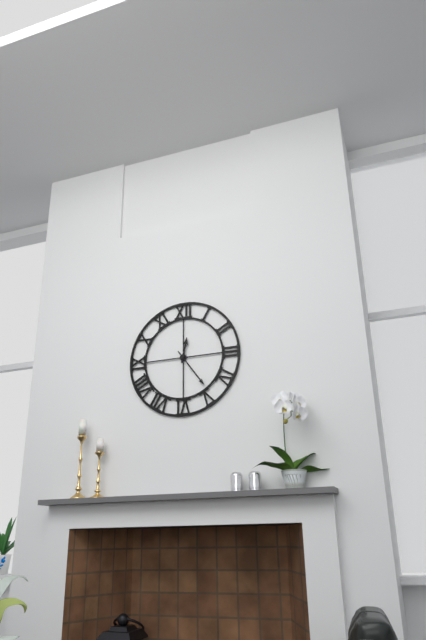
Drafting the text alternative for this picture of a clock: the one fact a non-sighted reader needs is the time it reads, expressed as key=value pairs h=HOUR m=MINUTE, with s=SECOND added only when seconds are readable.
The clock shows h=12 m=24
